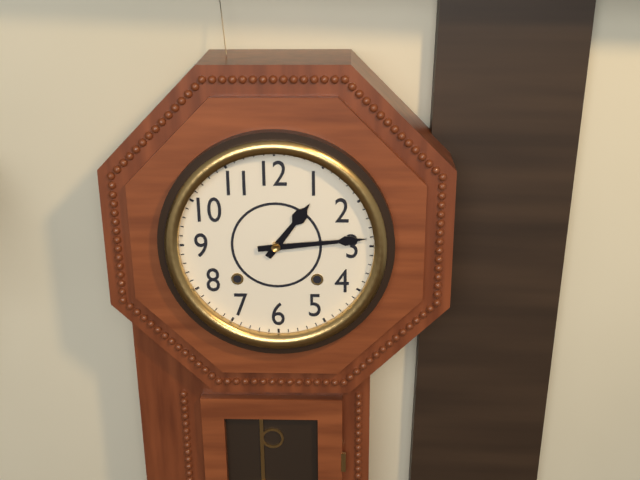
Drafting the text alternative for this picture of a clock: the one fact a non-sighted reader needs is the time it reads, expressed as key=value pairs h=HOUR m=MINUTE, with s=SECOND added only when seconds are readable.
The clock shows h=1 m=14
